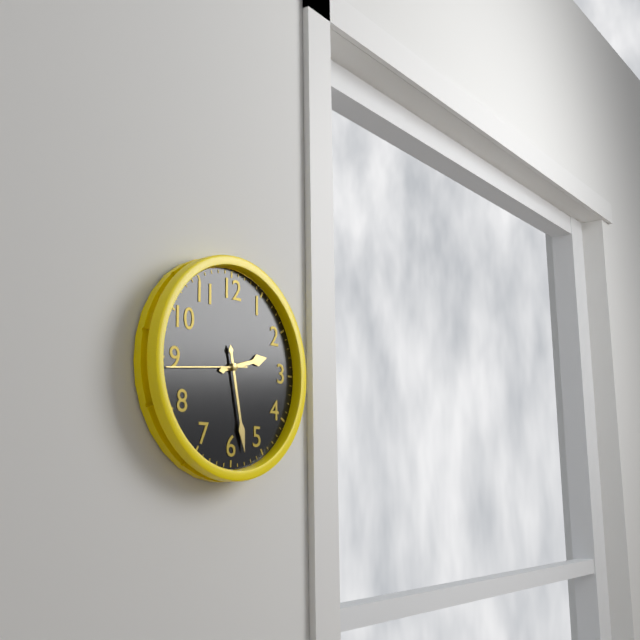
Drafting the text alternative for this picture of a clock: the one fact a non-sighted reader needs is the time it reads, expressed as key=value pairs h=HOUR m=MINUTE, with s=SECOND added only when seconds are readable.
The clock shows h=2 m=28 s=44
